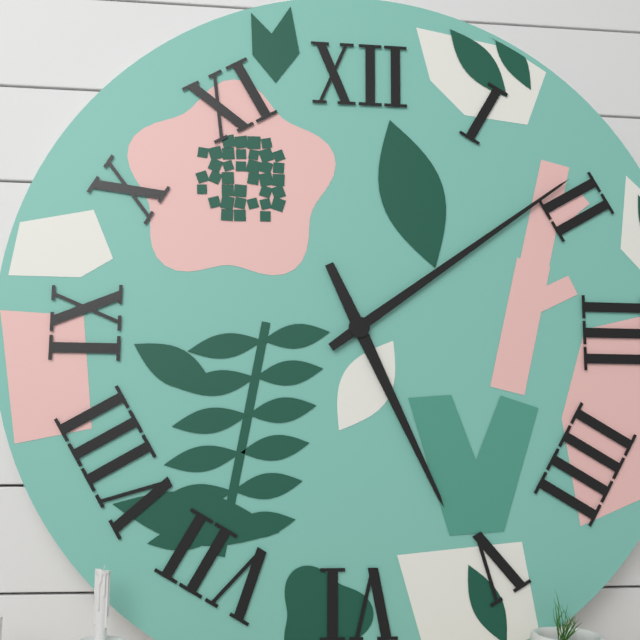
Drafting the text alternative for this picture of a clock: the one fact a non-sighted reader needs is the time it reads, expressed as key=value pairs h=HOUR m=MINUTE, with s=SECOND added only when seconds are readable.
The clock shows h=5 m=9
